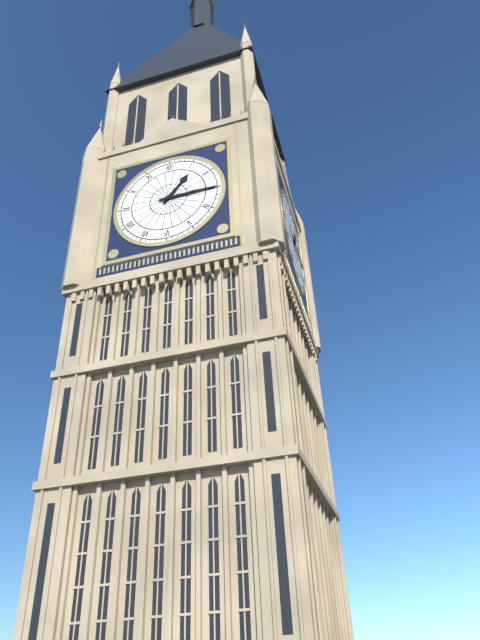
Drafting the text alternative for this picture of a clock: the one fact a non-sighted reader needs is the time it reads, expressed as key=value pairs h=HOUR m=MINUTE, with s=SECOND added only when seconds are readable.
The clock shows h=1 m=15
